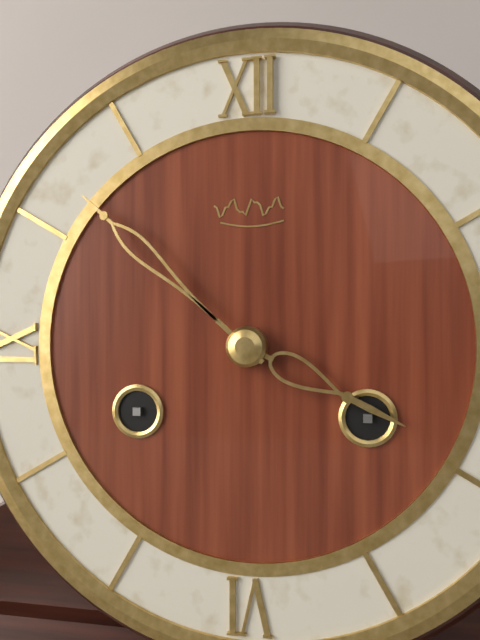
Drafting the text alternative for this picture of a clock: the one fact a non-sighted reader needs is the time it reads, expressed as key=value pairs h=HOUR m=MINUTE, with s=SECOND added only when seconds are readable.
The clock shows h=3 m=52
